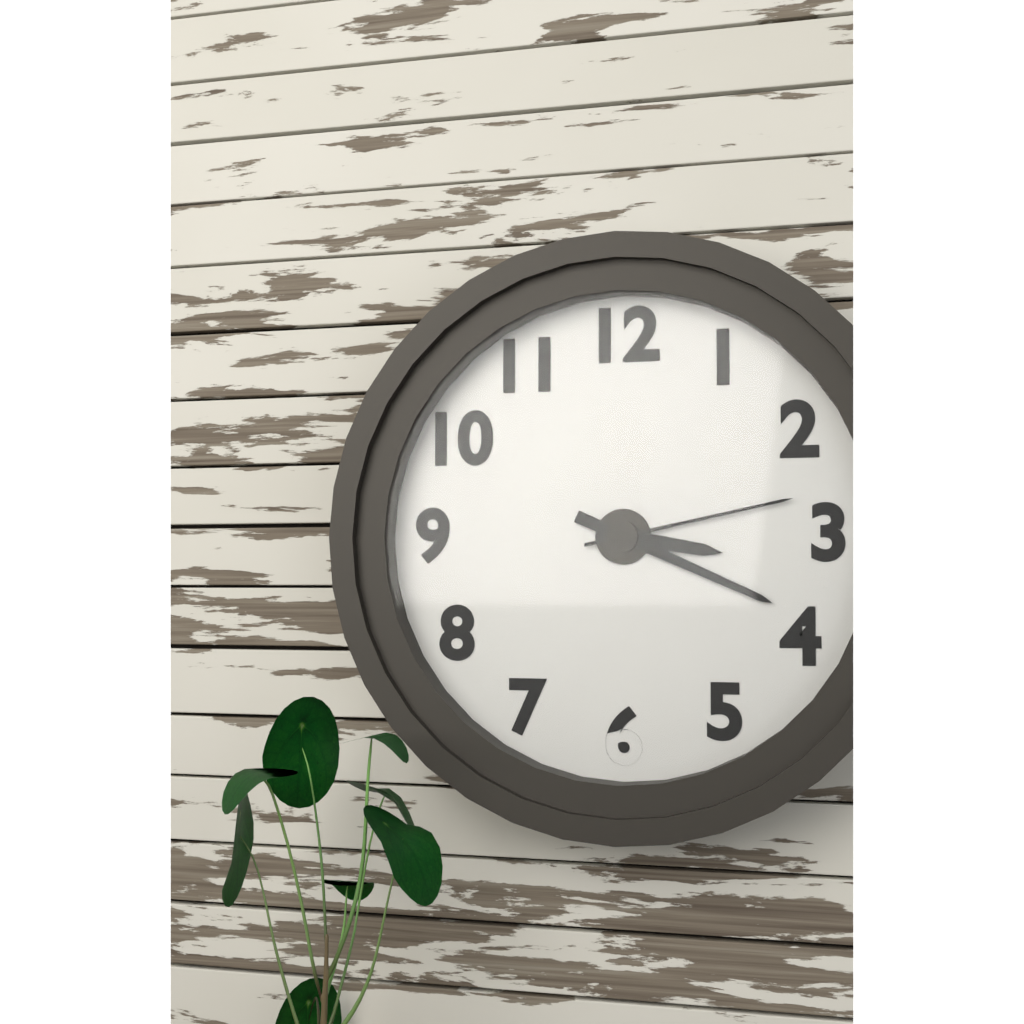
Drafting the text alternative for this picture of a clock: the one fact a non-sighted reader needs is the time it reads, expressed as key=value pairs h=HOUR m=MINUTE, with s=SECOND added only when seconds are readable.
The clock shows h=3 m=19 s=13
